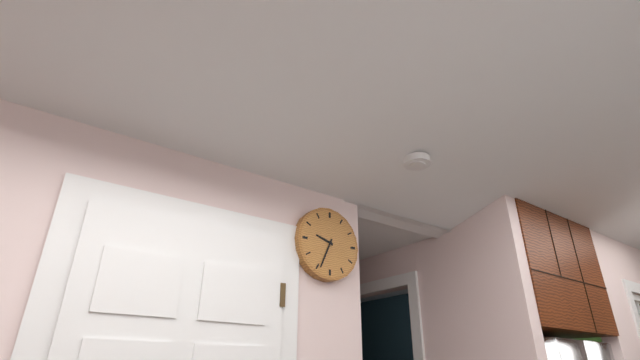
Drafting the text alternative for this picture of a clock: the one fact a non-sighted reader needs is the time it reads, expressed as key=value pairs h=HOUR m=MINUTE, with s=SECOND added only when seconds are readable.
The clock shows h=9 m=34
